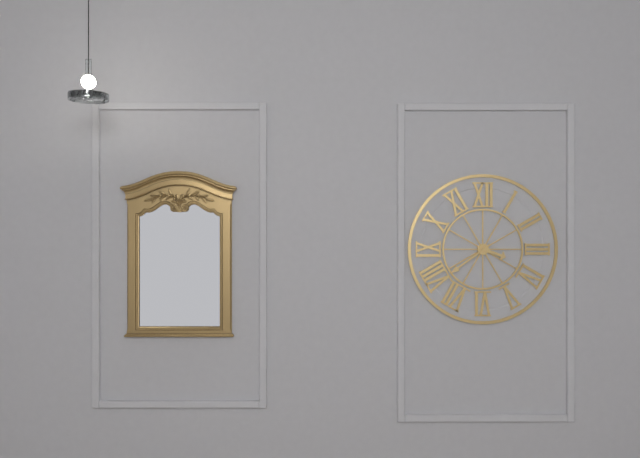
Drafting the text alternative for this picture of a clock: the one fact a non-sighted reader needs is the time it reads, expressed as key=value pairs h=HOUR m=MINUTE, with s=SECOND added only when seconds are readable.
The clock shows h=3 m=39
